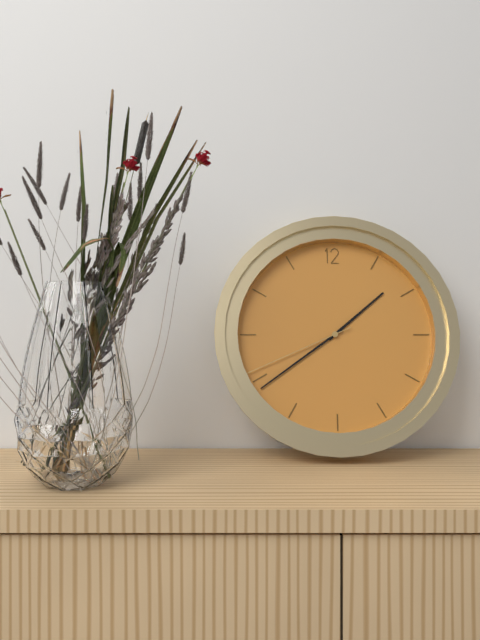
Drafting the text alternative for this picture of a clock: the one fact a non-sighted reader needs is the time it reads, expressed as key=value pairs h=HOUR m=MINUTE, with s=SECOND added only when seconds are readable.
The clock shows h=1 m=39 s=41
